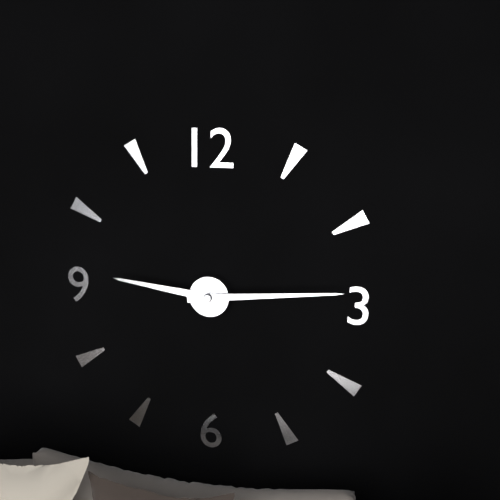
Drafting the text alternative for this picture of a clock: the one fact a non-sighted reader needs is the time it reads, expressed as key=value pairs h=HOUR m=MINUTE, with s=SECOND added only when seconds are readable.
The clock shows h=9 m=14
